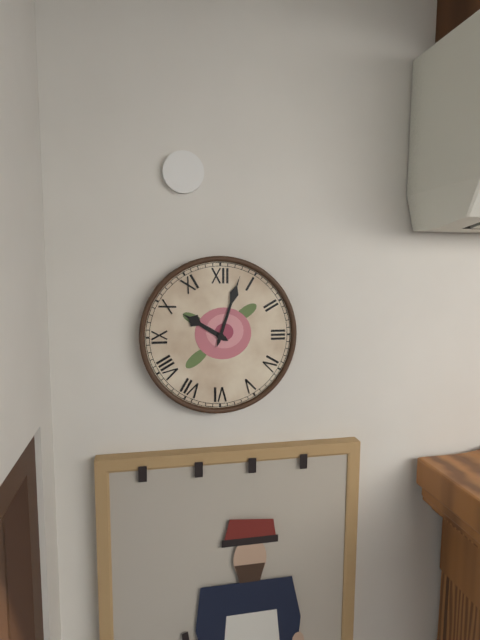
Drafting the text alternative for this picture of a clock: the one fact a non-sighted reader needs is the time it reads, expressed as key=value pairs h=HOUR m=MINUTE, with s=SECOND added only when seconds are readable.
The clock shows h=10 m=3
